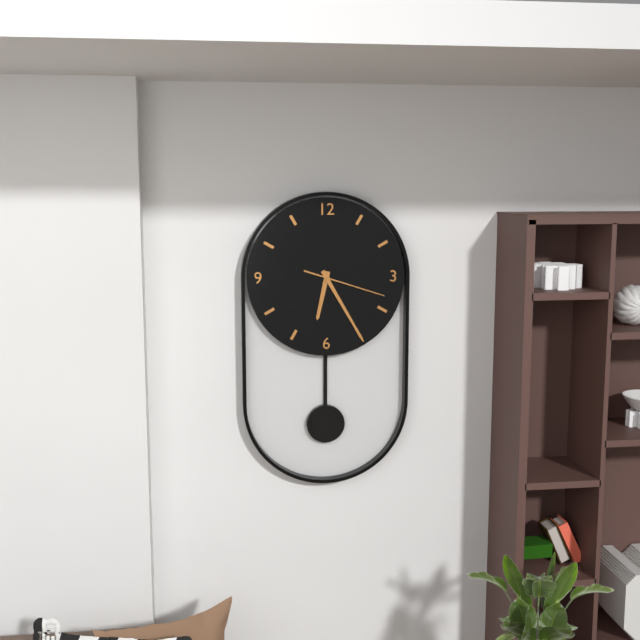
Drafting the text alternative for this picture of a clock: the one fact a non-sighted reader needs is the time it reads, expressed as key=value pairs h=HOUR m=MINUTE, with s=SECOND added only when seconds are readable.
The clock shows h=6 m=25 s=18
